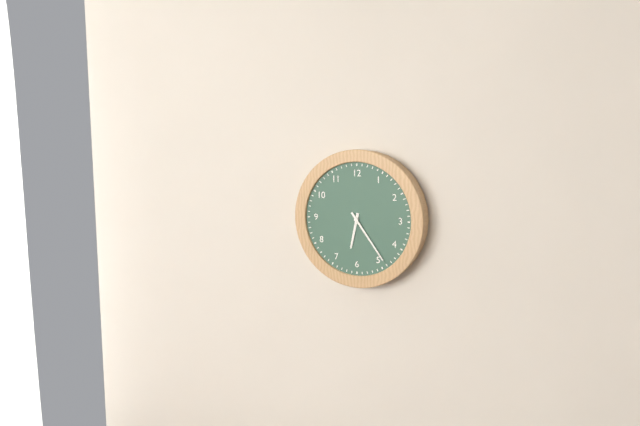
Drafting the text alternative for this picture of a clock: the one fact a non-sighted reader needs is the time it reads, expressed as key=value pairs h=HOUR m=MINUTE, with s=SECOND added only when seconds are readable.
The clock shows h=6 m=24
